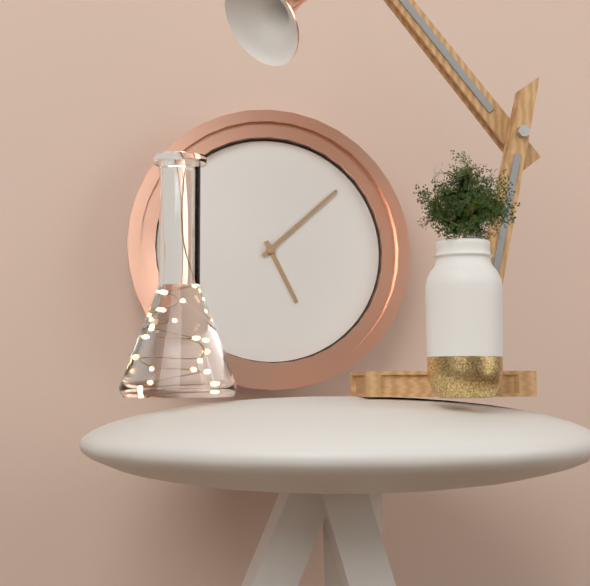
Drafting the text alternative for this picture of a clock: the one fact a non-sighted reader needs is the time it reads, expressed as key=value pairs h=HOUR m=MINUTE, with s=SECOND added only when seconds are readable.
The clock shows h=5 m=8
